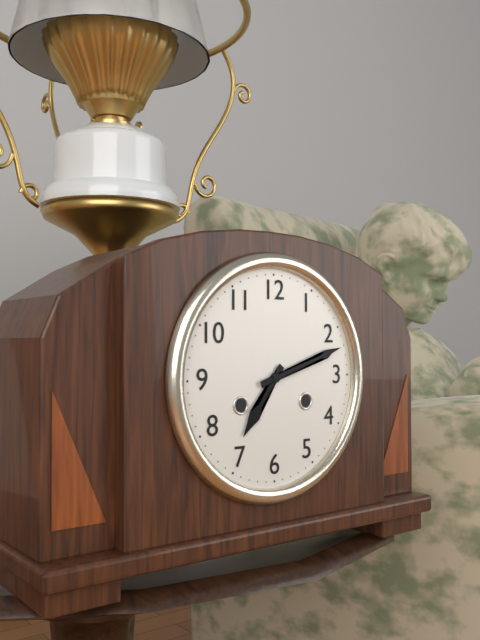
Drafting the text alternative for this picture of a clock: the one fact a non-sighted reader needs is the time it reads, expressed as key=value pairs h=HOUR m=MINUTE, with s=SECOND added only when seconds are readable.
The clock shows h=7 m=12
